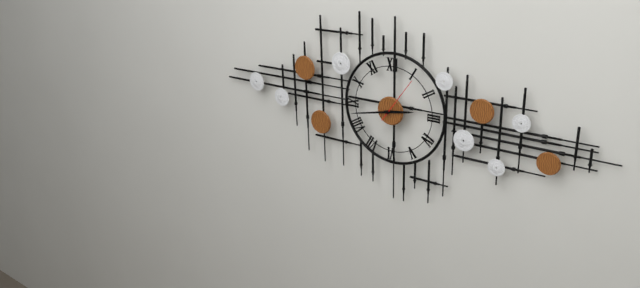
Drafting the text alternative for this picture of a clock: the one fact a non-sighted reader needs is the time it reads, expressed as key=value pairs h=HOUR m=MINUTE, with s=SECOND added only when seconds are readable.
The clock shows h=2 m=43
